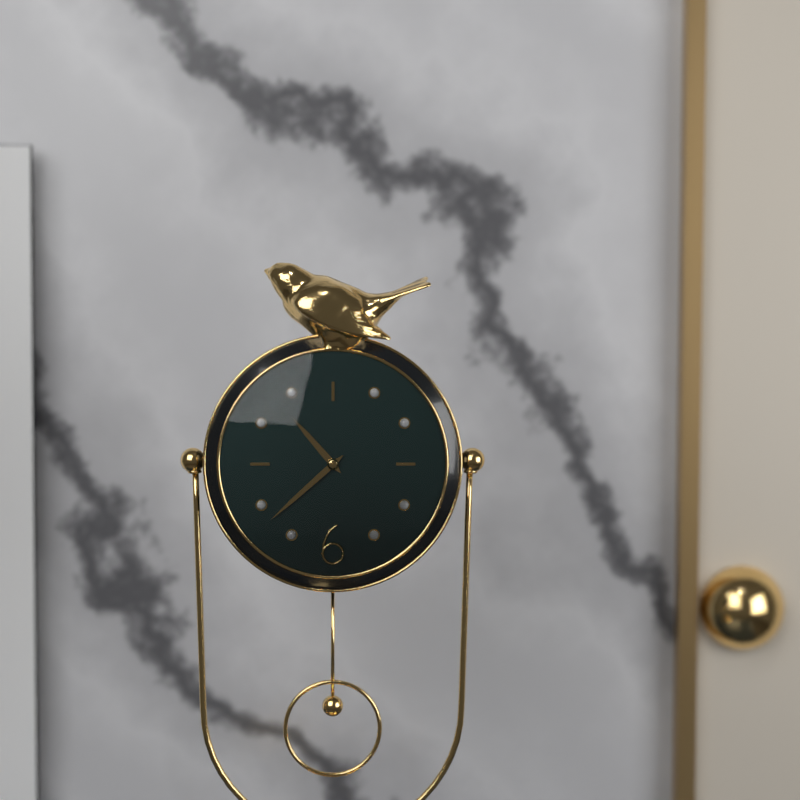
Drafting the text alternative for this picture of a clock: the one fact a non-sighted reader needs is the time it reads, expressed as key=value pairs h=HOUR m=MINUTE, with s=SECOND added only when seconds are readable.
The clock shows h=10 m=38
